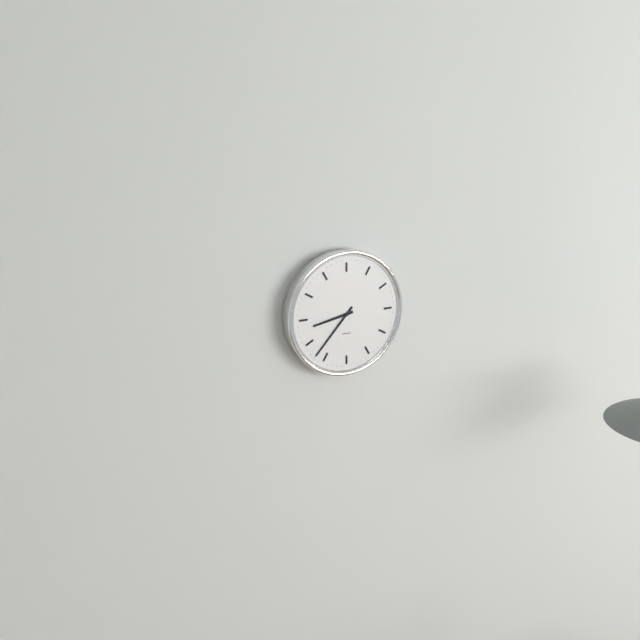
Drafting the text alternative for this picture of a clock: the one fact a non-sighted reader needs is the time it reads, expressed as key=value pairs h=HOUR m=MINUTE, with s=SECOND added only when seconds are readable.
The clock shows h=8 m=37
